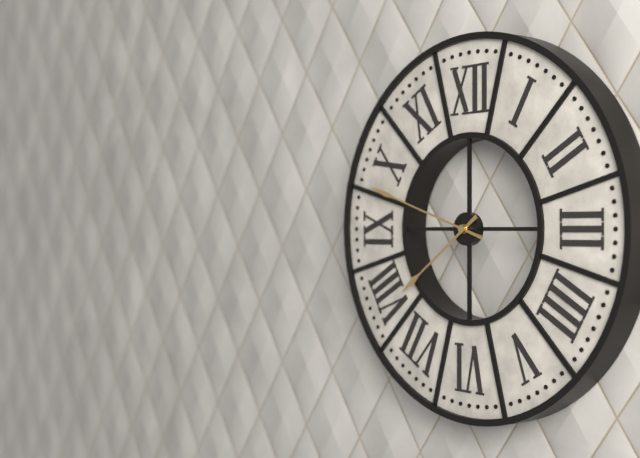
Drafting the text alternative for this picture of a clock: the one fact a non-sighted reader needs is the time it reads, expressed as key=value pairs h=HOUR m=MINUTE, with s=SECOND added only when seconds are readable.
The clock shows h=7 m=48
